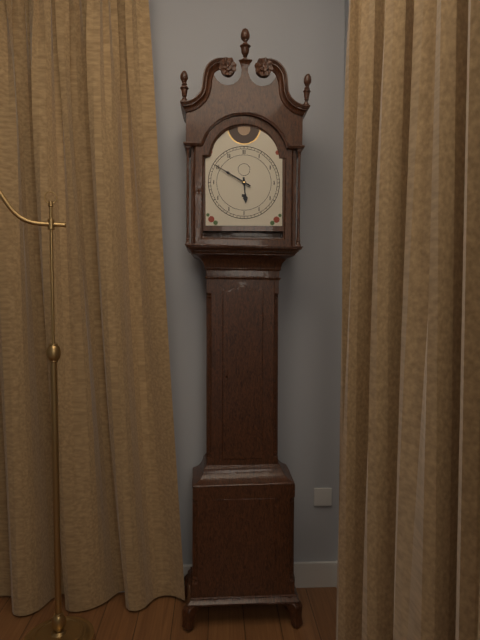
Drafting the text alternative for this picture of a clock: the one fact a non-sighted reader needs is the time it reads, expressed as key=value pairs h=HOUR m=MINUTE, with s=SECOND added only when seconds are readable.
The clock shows h=5 m=50
